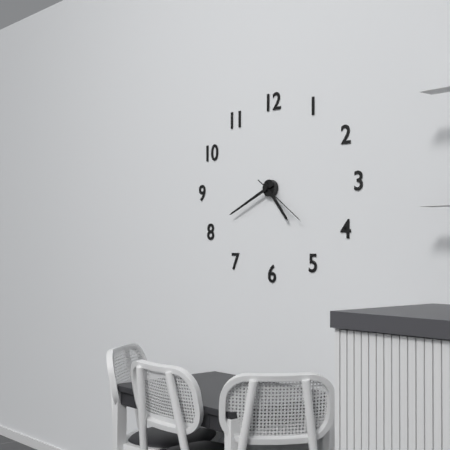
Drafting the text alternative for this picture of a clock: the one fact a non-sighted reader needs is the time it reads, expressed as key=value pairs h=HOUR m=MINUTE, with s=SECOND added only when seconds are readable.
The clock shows h=4 m=41 s=21
